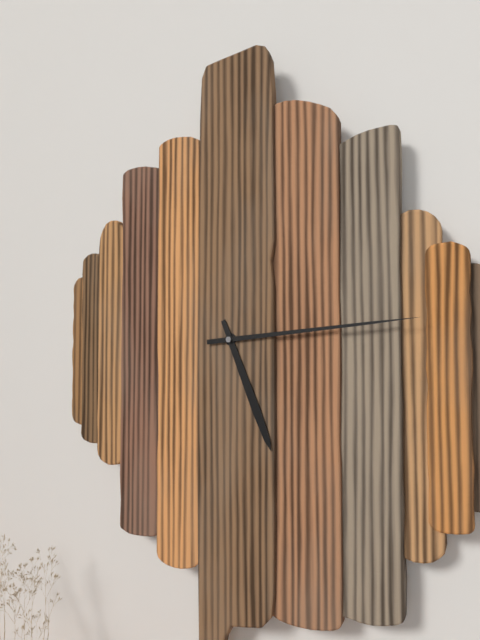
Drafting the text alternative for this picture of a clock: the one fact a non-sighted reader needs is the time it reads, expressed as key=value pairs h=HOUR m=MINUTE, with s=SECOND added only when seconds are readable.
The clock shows h=5 m=14
